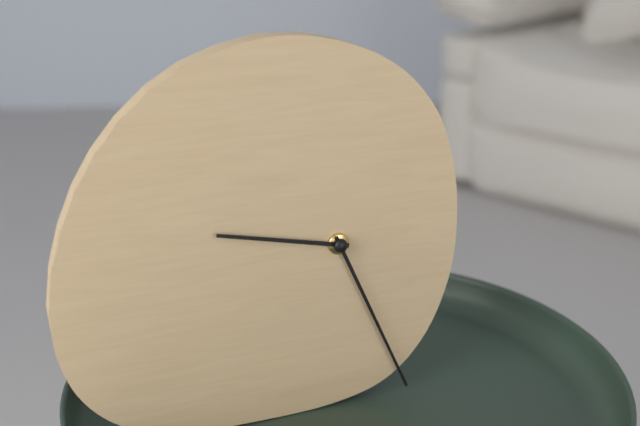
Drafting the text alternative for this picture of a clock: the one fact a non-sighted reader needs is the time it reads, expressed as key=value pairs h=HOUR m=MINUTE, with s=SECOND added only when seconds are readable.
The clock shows h=9 m=26
